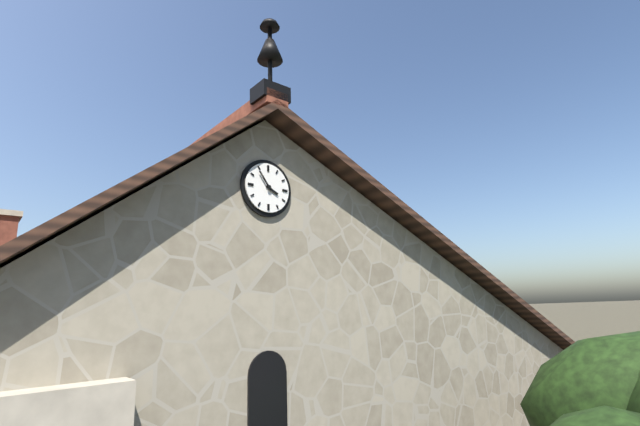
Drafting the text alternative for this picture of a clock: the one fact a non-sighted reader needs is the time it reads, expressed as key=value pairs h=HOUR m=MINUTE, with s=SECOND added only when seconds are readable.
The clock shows h=3 m=54
